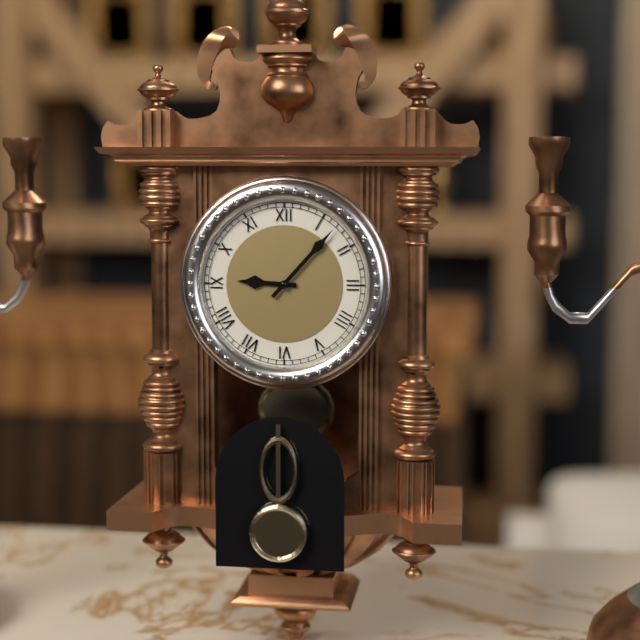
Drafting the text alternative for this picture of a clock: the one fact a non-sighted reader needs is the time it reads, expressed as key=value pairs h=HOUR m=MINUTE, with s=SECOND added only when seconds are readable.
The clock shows h=9 m=7
